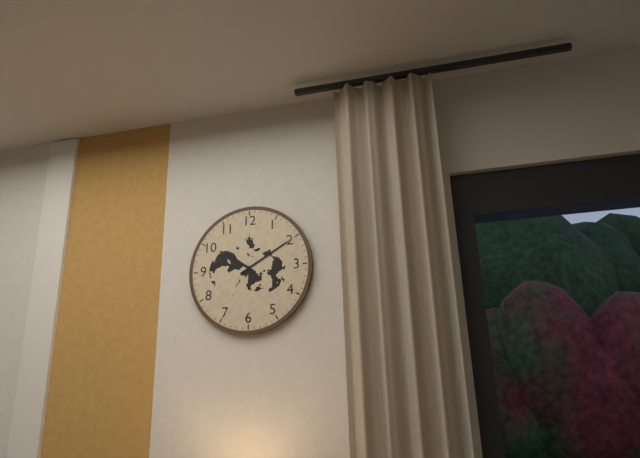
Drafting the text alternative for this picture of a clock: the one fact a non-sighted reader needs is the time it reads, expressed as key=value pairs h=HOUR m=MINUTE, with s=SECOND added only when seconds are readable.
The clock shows h=10 m=10
